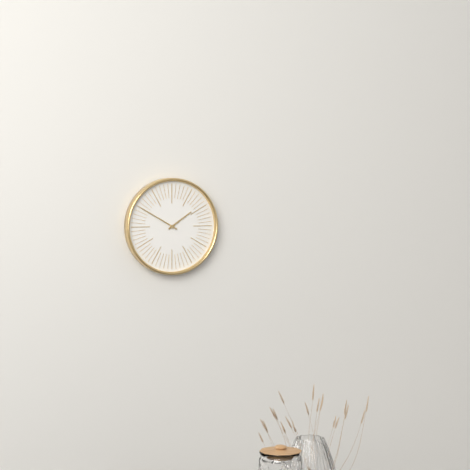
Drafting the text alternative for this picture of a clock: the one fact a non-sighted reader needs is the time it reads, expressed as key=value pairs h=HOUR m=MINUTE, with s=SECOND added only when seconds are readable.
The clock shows h=1 m=50
